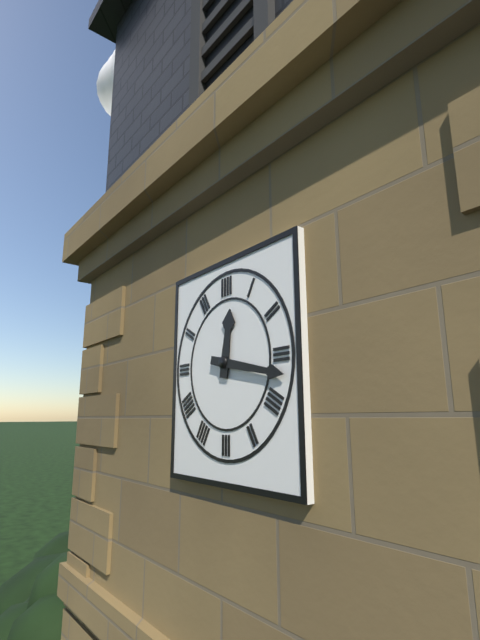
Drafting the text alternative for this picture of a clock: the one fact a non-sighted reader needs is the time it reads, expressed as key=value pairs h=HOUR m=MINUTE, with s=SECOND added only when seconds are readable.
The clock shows h=12 m=17
